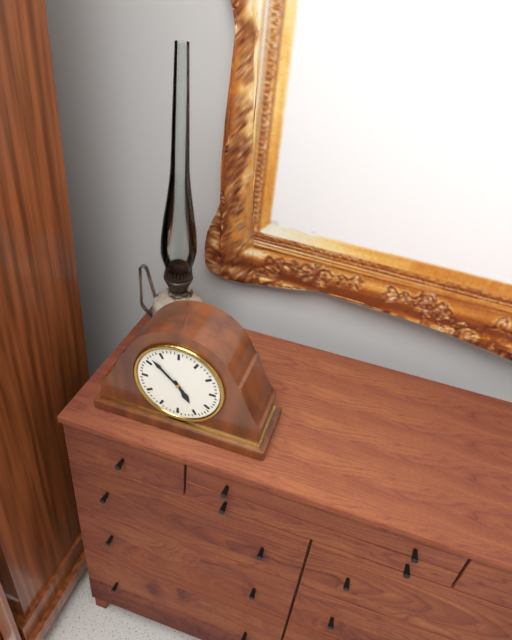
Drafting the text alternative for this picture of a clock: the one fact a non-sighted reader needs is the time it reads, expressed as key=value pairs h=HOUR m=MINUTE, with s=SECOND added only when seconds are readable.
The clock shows h=4 m=52
